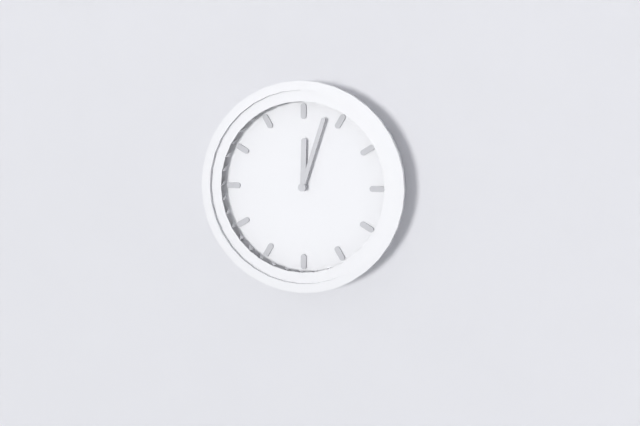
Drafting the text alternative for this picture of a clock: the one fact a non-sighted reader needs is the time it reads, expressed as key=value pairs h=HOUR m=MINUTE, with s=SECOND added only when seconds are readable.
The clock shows h=12 m=3
